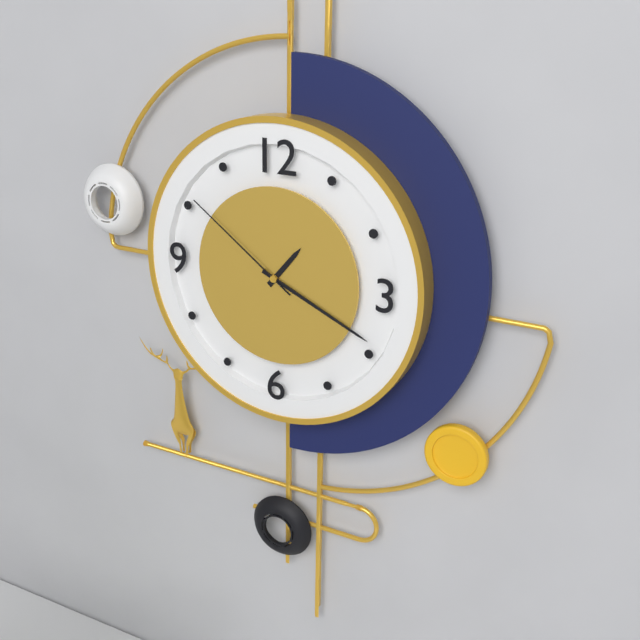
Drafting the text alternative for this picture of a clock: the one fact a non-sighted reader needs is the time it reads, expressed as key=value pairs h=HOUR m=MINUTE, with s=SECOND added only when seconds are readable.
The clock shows h=1 m=19 s=51
